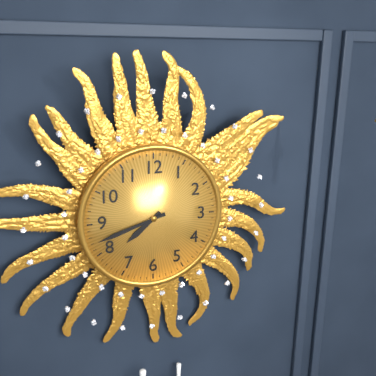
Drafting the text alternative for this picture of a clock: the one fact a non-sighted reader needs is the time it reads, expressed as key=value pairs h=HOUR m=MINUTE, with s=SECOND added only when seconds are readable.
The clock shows h=7 m=42
